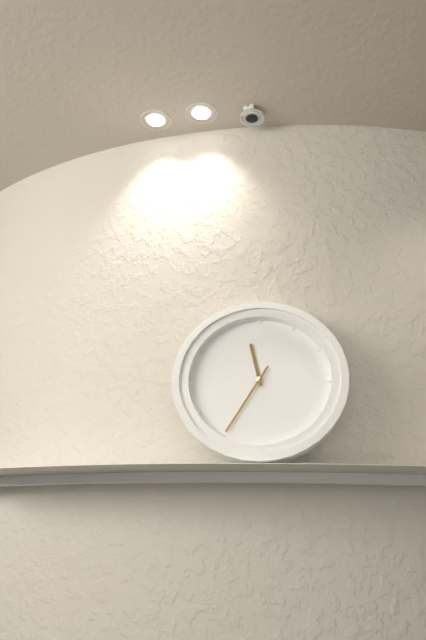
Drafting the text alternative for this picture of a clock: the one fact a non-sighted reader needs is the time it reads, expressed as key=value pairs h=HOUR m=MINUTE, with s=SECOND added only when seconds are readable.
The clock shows h=11 m=35
